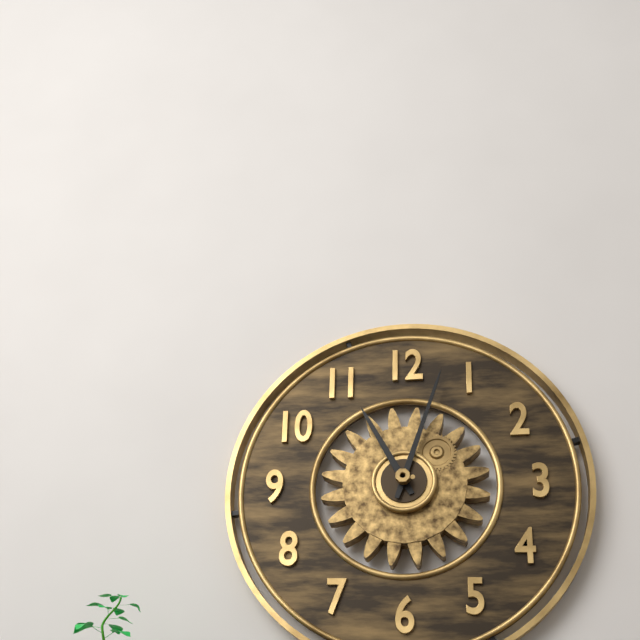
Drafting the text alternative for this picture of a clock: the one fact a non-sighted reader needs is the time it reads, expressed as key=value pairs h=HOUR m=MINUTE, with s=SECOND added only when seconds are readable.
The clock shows h=11 m=3
